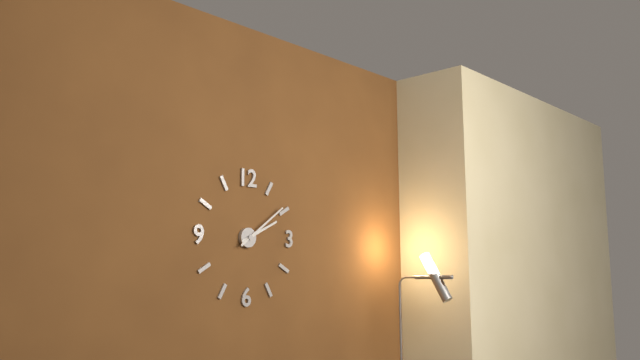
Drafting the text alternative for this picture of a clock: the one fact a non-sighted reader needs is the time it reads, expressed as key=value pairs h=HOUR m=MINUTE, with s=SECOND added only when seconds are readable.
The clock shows h=2 m=9
